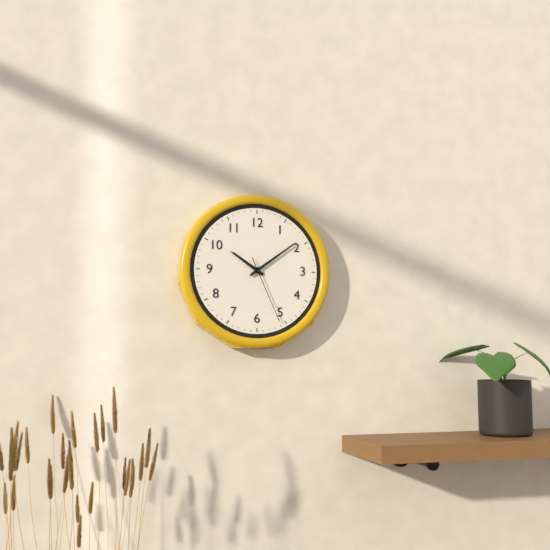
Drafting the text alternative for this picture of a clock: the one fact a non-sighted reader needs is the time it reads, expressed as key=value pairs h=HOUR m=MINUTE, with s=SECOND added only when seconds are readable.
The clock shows h=10 m=9 s=26
